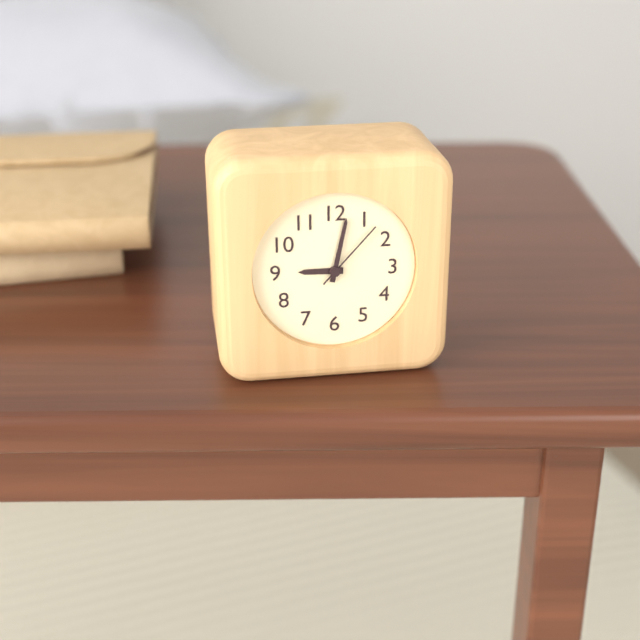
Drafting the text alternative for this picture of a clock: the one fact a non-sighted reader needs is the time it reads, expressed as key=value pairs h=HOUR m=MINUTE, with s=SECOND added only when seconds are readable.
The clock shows h=9 m=2 s=7
